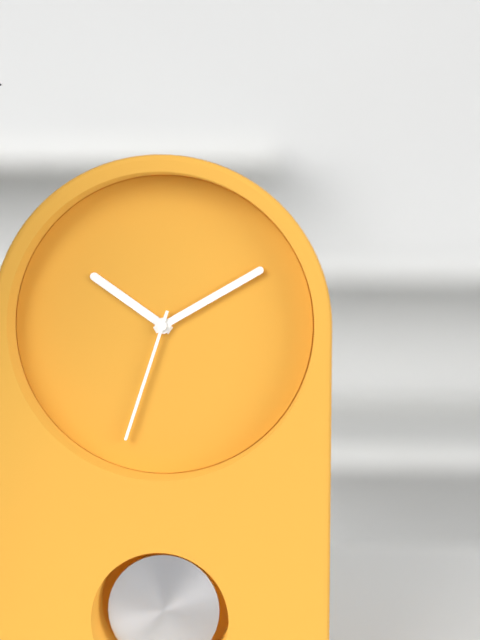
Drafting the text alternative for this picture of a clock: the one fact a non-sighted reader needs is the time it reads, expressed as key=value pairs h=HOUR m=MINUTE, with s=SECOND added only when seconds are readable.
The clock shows h=10 m=10 s=33
